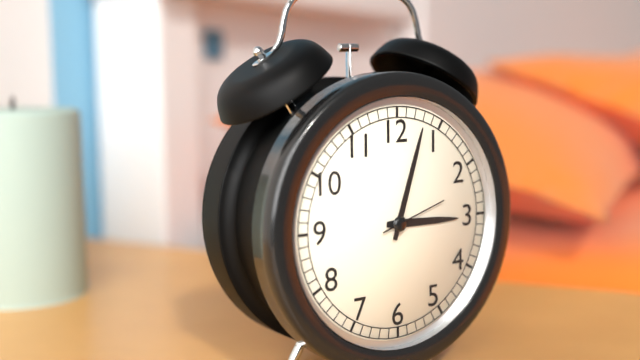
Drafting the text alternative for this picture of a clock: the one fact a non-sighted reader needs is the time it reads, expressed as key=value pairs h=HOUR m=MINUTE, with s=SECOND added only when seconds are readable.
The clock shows h=3 m=3 s=12
